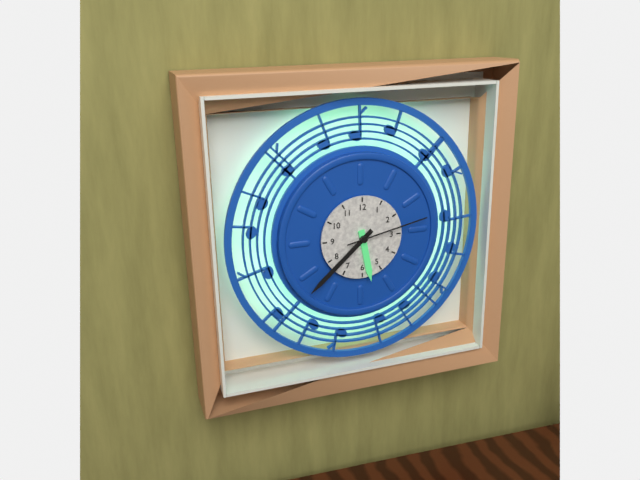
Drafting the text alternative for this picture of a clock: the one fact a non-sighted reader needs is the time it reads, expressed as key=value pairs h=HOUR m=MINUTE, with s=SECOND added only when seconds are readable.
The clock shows h=5 m=38 s=13
